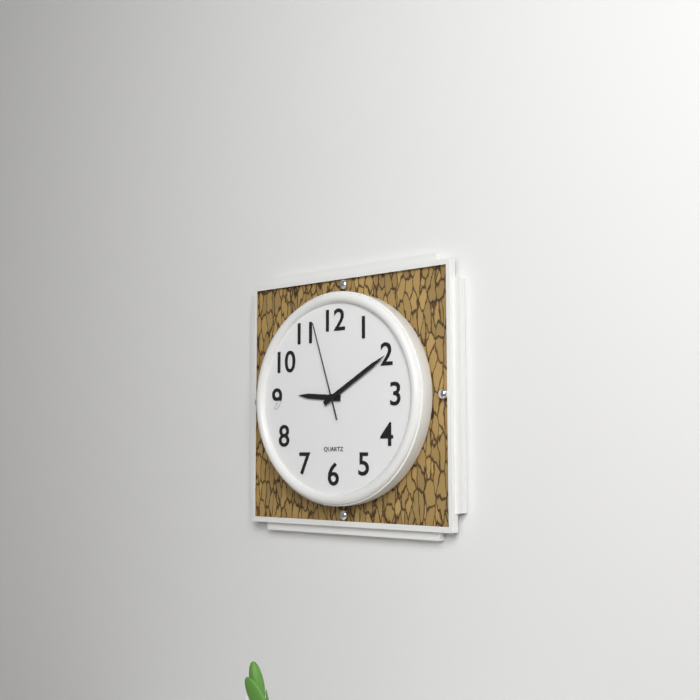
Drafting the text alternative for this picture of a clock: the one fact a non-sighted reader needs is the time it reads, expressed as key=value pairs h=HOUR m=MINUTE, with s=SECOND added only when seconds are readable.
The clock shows h=9 m=10 s=57
